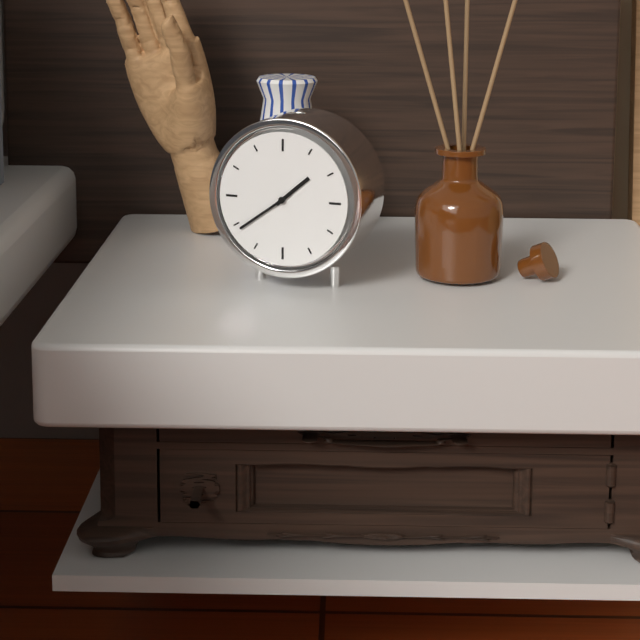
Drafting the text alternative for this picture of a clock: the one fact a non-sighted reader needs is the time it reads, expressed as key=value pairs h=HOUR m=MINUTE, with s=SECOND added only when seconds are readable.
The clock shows h=1 m=39
